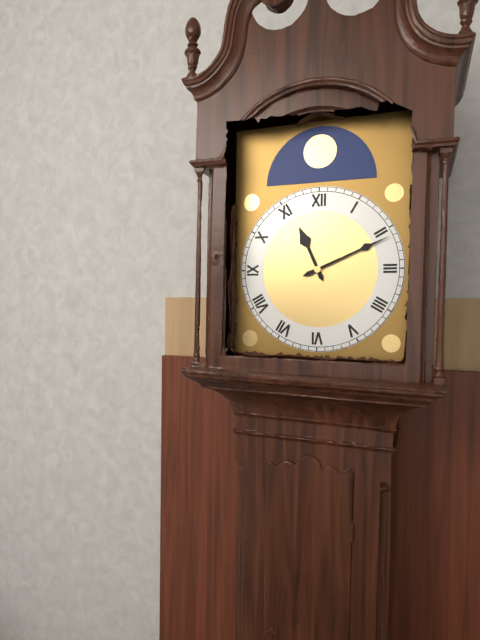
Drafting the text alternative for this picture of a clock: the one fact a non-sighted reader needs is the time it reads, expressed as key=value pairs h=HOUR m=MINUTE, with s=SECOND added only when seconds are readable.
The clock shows h=11 m=11
